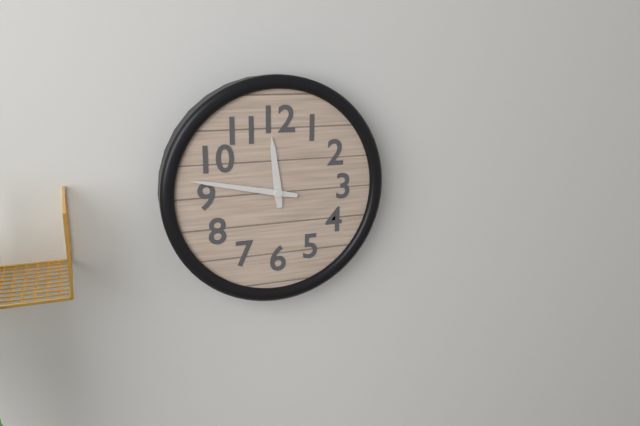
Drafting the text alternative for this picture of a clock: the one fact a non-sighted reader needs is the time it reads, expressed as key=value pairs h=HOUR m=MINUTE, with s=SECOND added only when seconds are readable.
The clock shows h=11 m=47
